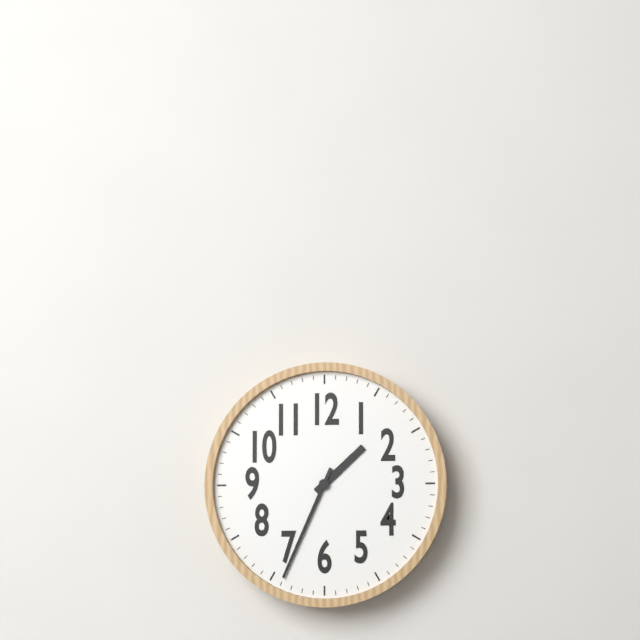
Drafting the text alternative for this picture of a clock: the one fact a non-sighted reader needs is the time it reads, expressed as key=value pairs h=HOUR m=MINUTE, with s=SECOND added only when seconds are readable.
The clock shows h=1 m=34
